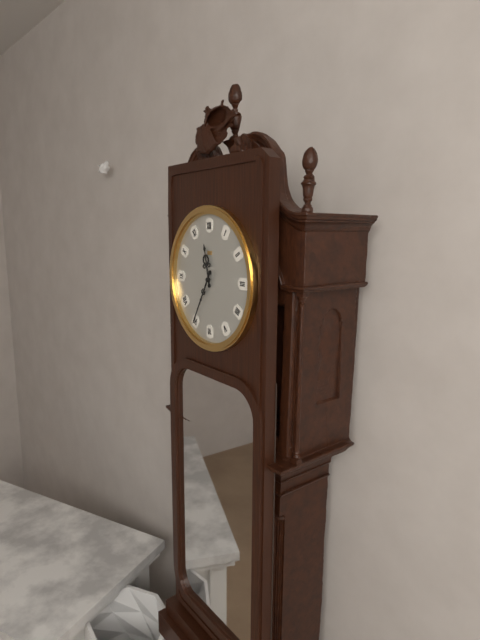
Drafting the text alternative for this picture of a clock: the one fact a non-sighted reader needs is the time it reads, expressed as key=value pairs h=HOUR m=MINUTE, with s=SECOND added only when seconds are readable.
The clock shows h=11 m=35
